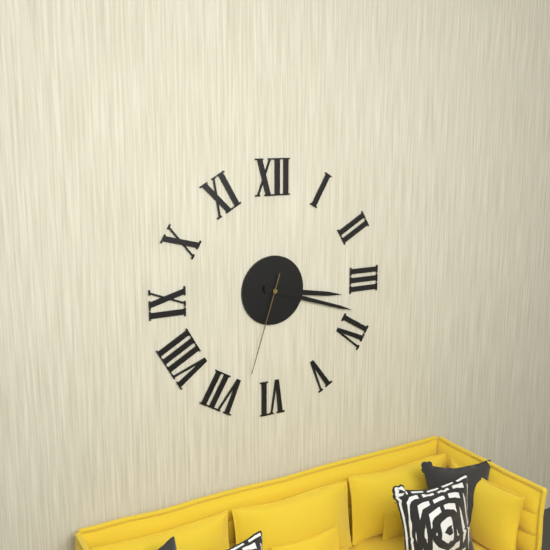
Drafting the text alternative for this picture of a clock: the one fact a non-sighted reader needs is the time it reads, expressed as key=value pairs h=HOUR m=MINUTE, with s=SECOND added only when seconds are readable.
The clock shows h=3 m=18 s=33
